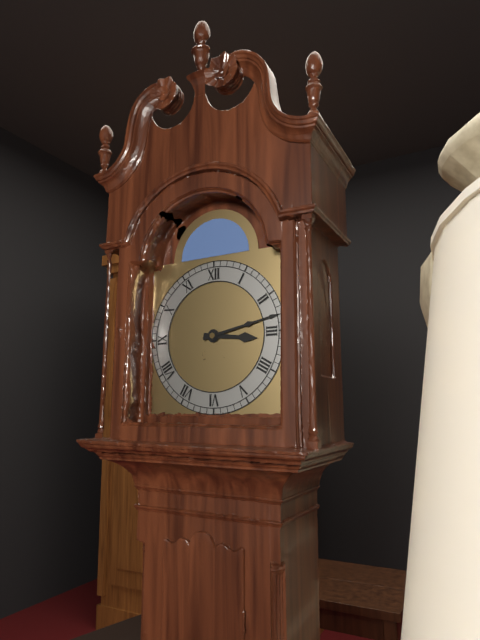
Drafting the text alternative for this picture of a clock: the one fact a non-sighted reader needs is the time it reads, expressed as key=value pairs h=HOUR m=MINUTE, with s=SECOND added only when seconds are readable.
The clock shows h=3 m=13
